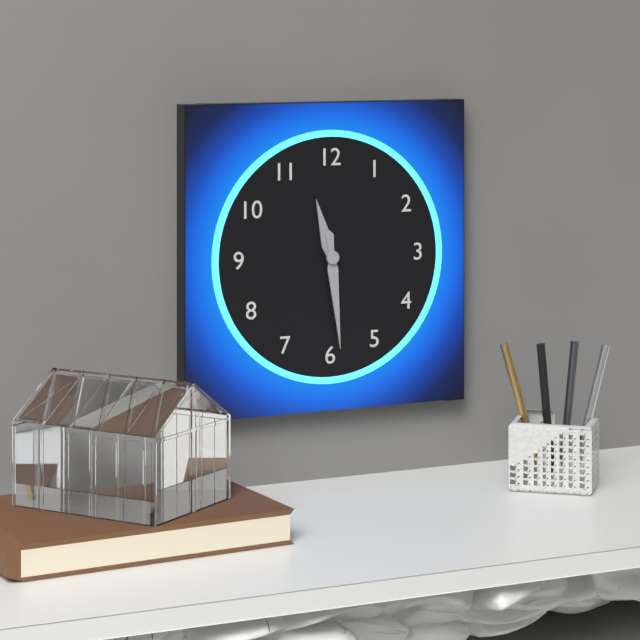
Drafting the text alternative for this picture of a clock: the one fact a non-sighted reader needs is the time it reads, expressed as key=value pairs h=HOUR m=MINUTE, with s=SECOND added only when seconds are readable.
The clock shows h=11 m=29
